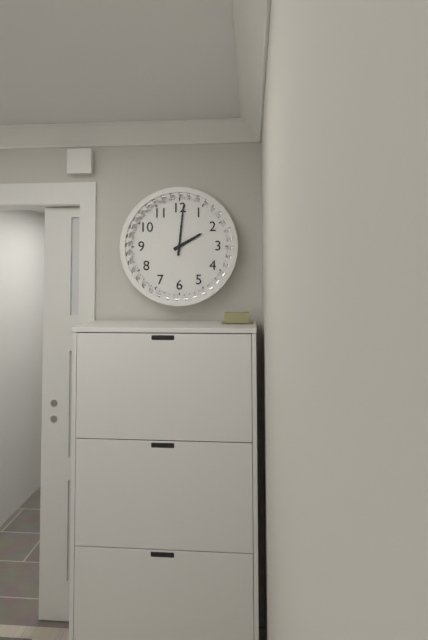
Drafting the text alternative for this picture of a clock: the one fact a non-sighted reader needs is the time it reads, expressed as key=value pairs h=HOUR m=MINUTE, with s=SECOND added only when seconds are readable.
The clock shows h=2 m=1
